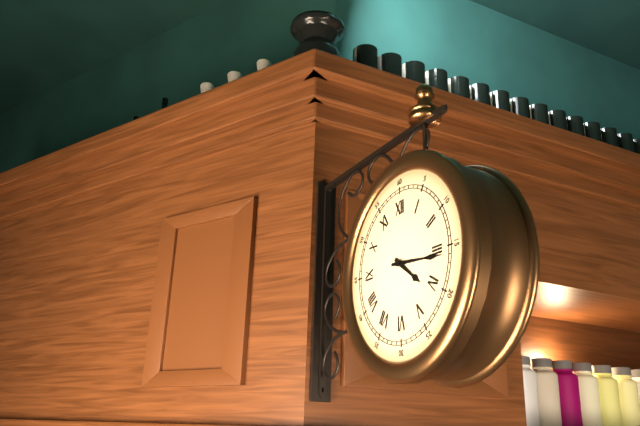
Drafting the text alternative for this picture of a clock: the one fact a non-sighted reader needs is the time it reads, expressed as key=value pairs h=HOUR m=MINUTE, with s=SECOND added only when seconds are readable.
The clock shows h=4 m=16
